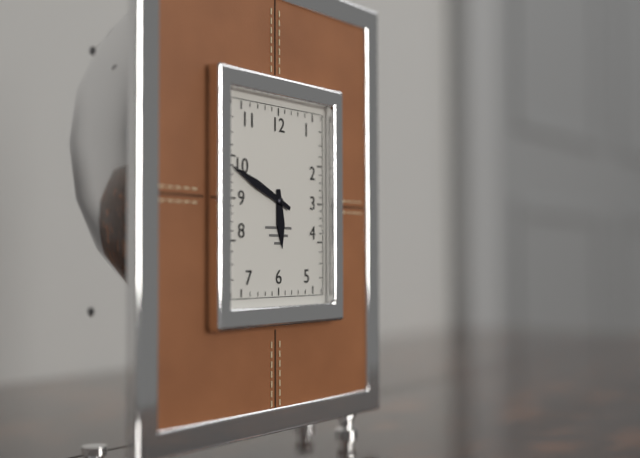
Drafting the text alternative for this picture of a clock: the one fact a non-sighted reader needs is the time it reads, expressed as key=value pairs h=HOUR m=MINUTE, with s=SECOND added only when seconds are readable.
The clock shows h=5 m=49
